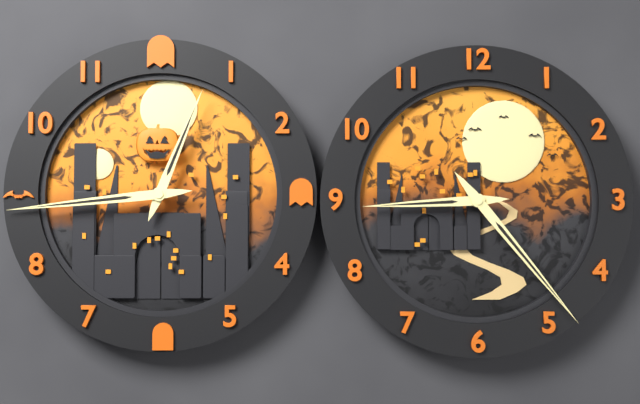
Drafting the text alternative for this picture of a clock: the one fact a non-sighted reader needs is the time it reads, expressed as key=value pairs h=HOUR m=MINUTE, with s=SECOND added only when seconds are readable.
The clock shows h=12 m=44
